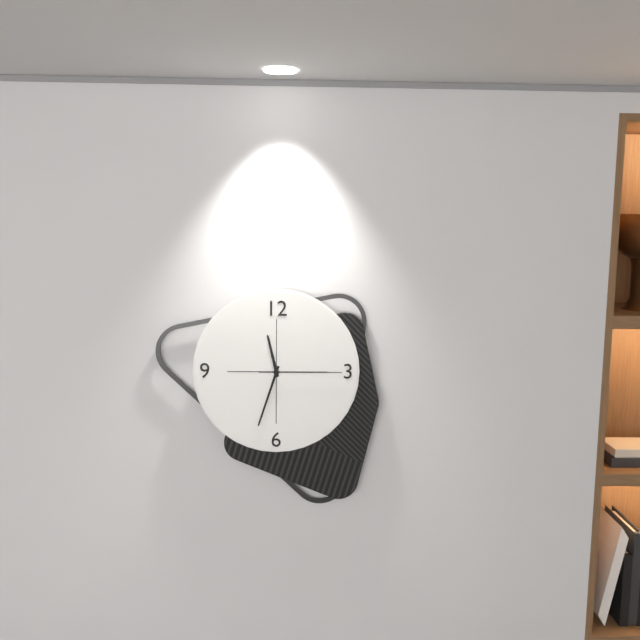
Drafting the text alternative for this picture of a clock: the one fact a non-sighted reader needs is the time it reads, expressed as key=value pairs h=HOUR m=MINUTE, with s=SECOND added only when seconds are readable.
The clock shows h=11 m=33 s=15
